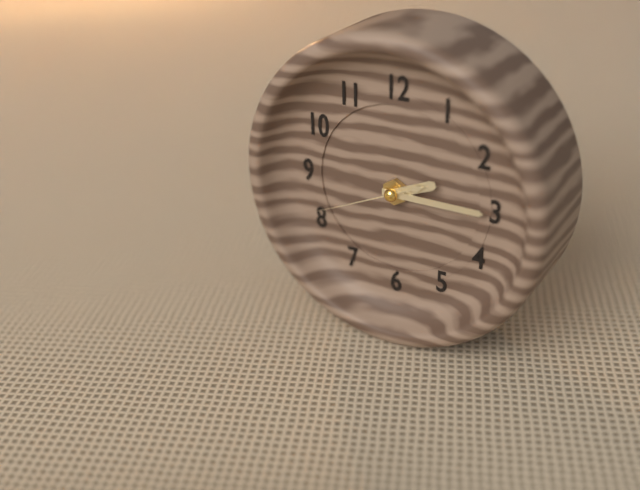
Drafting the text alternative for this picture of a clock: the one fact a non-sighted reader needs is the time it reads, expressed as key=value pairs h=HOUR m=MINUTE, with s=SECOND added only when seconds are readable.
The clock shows h=2 m=15 s=41
